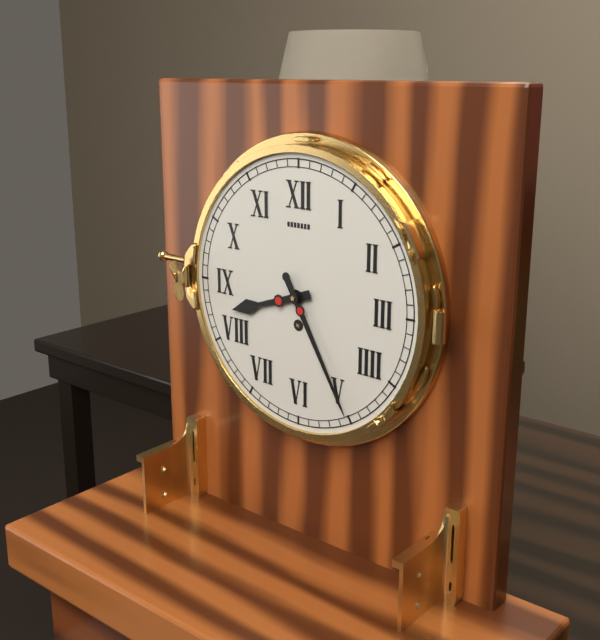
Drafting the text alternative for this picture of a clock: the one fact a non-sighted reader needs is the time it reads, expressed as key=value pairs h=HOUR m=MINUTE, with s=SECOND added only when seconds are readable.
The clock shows h=8 m=25
